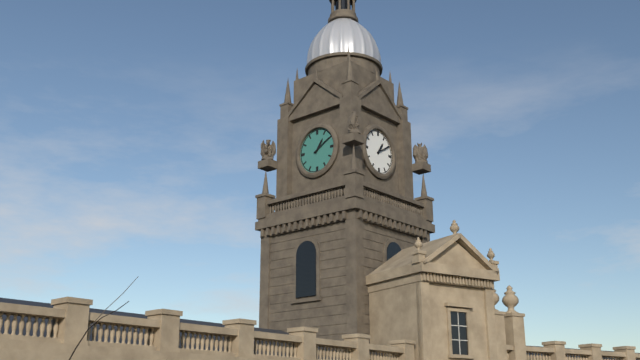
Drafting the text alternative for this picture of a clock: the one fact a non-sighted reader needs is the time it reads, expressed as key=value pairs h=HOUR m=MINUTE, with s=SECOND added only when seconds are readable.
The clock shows h=1 m=10
